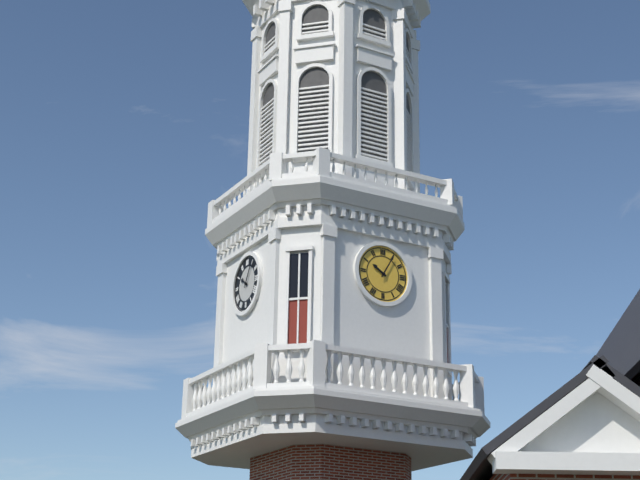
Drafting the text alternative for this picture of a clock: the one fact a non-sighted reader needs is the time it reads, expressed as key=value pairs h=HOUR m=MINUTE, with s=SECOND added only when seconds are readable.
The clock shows h=10 m=5
